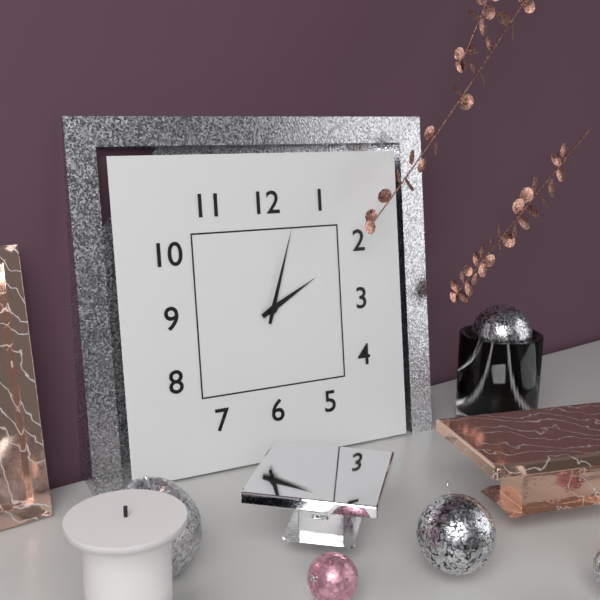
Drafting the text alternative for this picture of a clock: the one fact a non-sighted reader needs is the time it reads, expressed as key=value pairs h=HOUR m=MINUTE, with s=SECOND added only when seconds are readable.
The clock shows h=2 m=3
